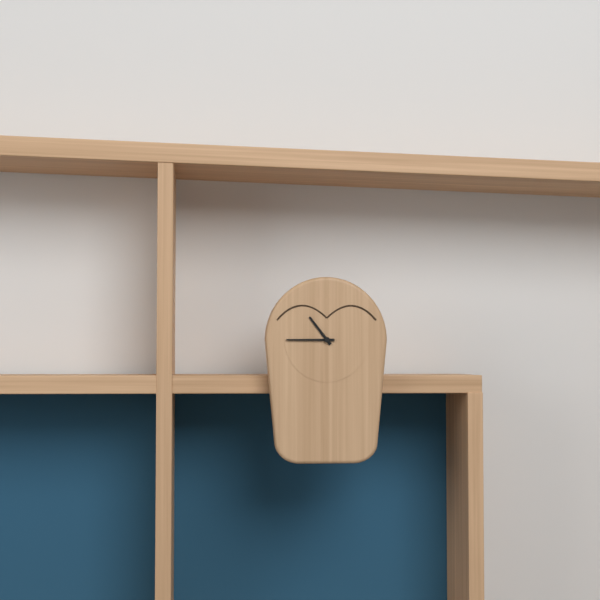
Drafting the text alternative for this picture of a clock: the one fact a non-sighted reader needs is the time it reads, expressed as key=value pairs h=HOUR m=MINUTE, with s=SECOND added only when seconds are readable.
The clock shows h=10 m=45
